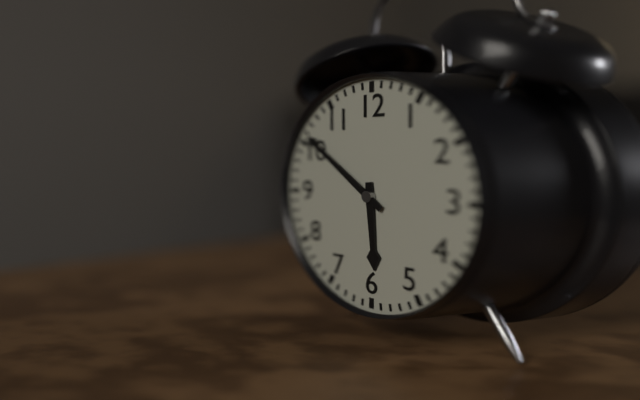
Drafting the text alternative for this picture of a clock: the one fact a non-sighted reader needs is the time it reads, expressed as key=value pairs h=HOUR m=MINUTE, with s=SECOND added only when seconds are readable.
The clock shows h=5 m=51
